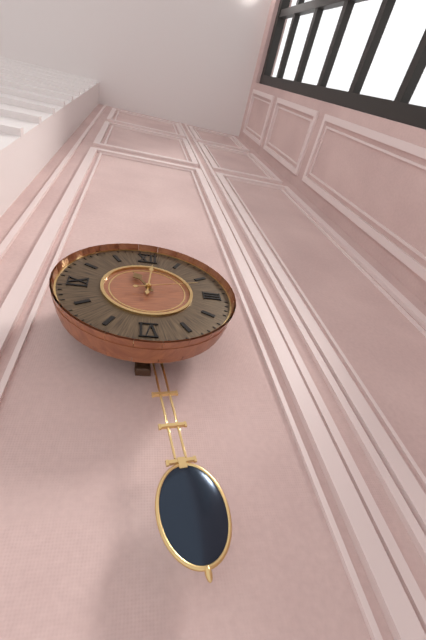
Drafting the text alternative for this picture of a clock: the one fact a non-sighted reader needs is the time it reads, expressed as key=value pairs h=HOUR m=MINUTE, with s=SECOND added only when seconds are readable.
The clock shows h=11 m=1 s=12
